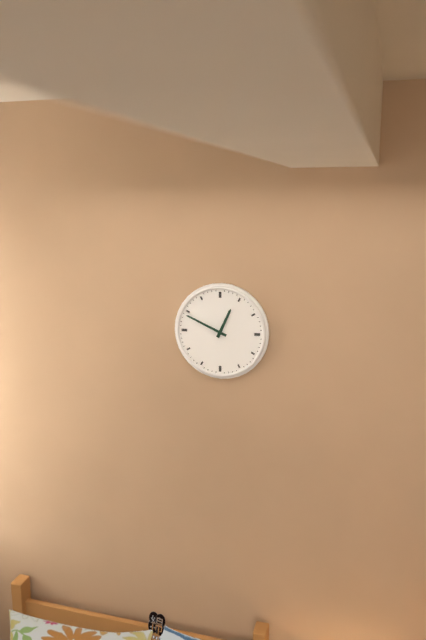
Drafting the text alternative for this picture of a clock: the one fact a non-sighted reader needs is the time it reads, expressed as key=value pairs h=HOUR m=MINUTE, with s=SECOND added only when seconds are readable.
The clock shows h=12 m=49
